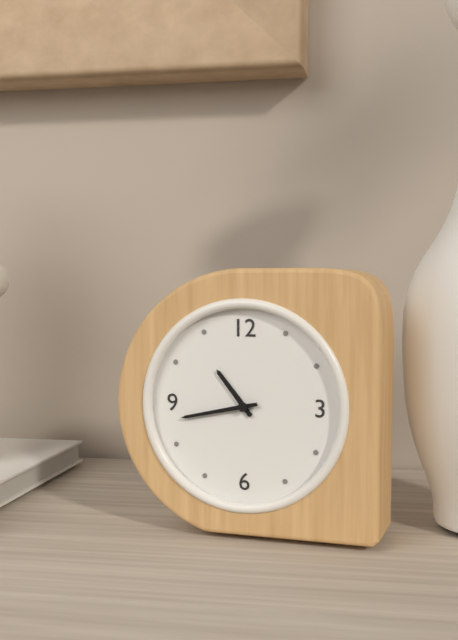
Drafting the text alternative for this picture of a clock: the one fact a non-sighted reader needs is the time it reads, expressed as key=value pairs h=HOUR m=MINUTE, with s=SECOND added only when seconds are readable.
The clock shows h=10 m=43
